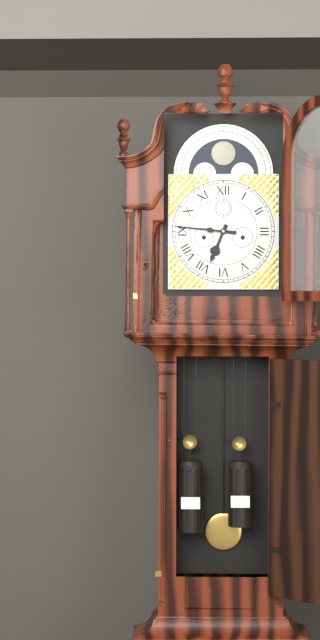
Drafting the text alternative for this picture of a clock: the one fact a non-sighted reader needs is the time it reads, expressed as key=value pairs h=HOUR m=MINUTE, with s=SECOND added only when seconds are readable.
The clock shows h=6 m=46
